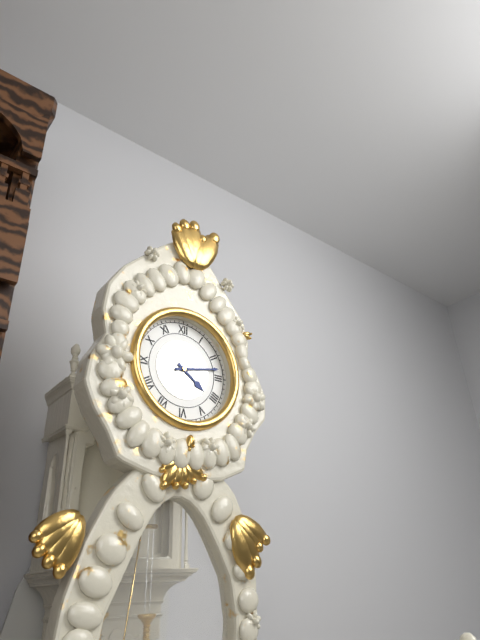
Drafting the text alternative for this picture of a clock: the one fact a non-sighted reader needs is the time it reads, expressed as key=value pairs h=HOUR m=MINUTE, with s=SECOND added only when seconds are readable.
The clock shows h=4 m=13
